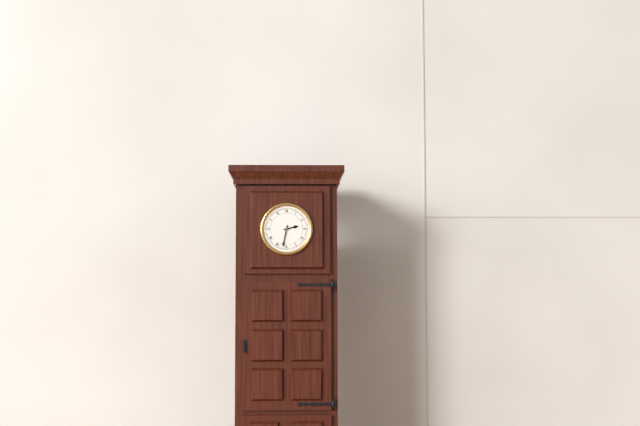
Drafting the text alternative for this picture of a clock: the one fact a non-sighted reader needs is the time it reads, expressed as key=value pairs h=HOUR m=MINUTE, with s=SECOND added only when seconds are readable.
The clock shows h=2 m=32
